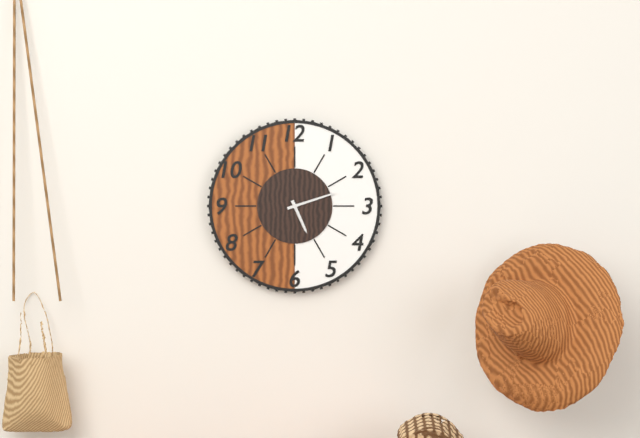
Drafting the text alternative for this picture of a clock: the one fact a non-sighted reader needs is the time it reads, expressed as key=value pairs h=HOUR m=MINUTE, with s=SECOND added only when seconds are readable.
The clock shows h=5 m=12
